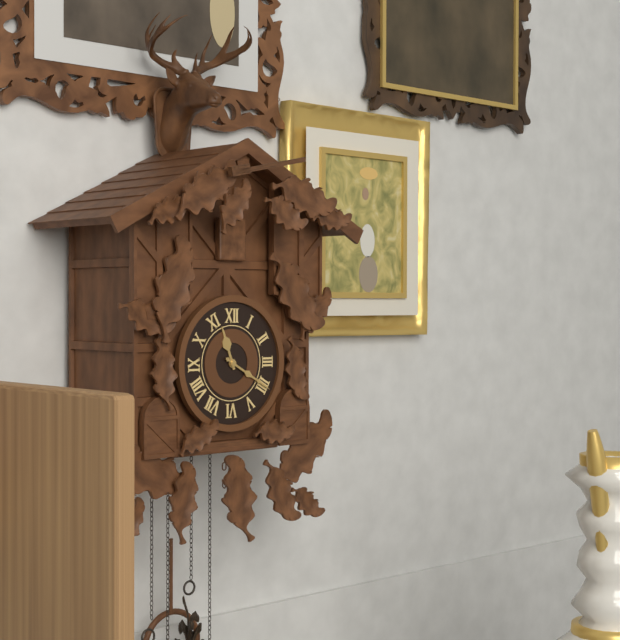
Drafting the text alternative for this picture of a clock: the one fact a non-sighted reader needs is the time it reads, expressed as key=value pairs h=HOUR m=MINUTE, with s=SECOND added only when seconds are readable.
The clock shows h=11 m=20
